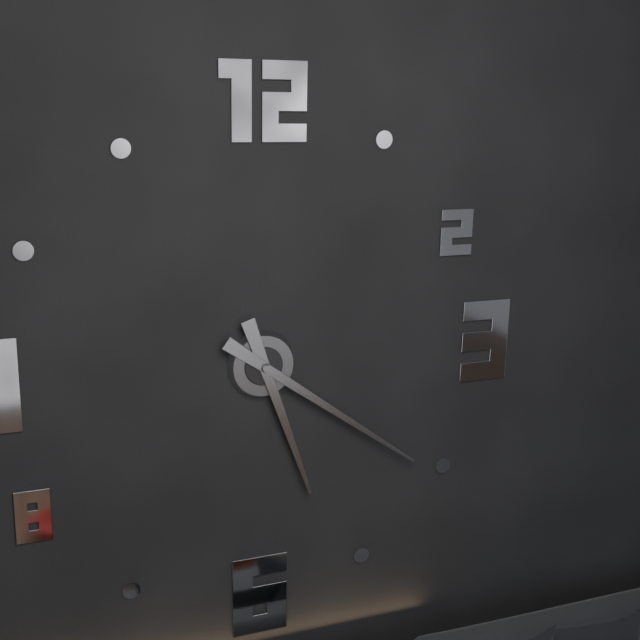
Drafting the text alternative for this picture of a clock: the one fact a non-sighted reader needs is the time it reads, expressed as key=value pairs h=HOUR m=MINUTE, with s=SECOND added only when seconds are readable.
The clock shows h=5 m=21
